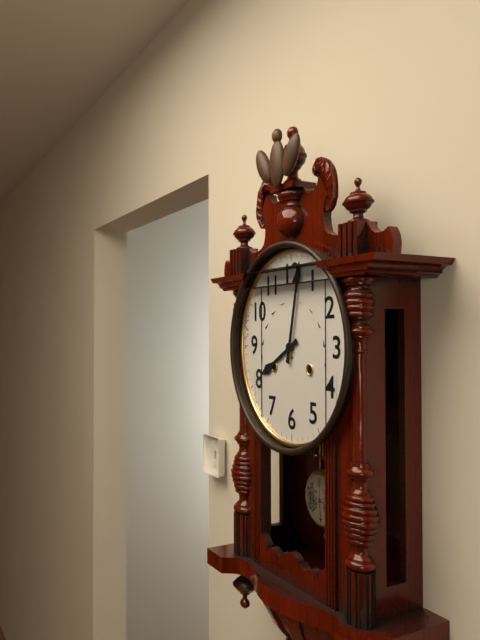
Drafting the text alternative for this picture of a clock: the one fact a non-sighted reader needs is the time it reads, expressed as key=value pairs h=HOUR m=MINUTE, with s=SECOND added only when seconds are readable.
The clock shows h=8 m=2
